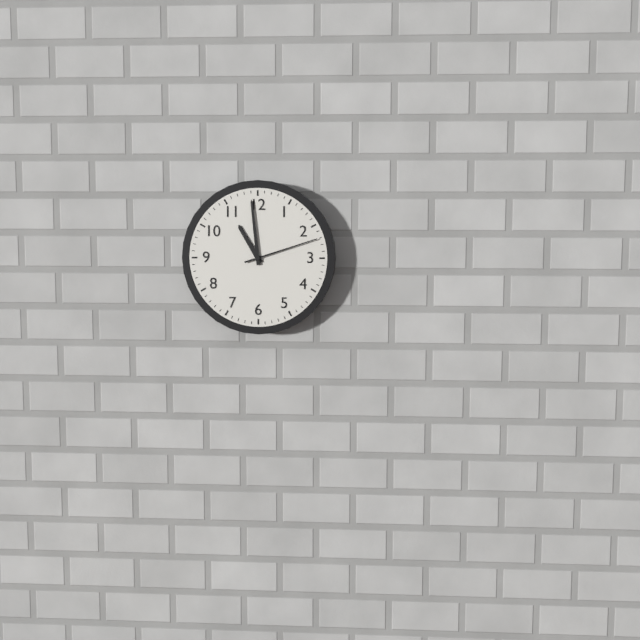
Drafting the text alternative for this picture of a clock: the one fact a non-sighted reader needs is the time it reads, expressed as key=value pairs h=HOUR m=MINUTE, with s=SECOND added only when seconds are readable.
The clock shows h=10 m=59 s=12
